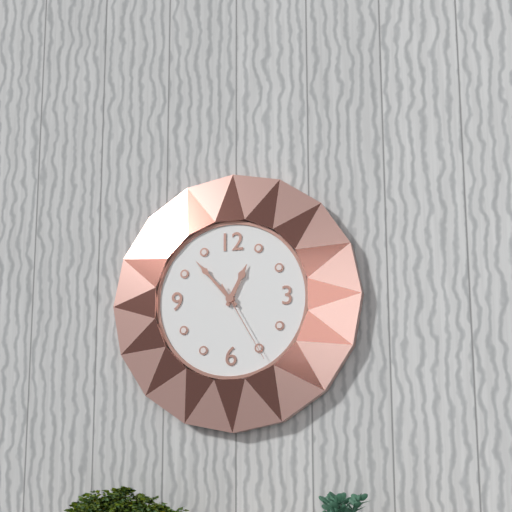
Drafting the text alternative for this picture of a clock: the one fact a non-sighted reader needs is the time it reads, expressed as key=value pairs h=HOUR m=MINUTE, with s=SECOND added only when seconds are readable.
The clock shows h=12 m=53 s=25
